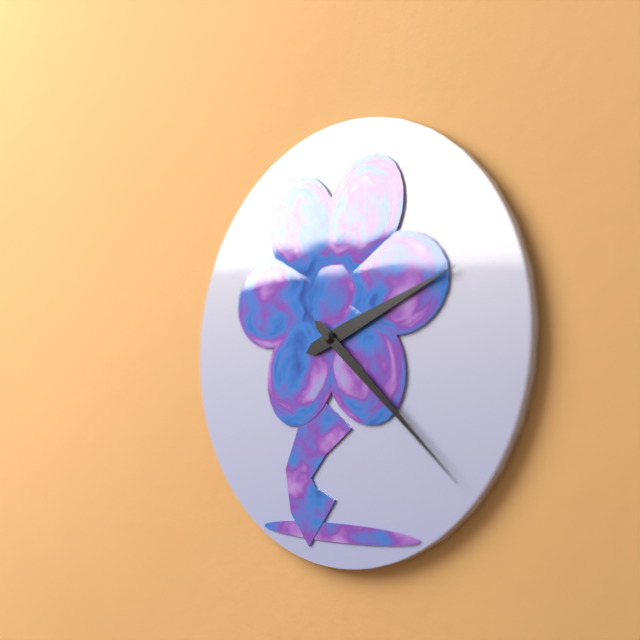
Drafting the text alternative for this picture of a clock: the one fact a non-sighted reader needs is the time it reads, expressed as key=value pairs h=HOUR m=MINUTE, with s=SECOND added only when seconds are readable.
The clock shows h=2 m=22
